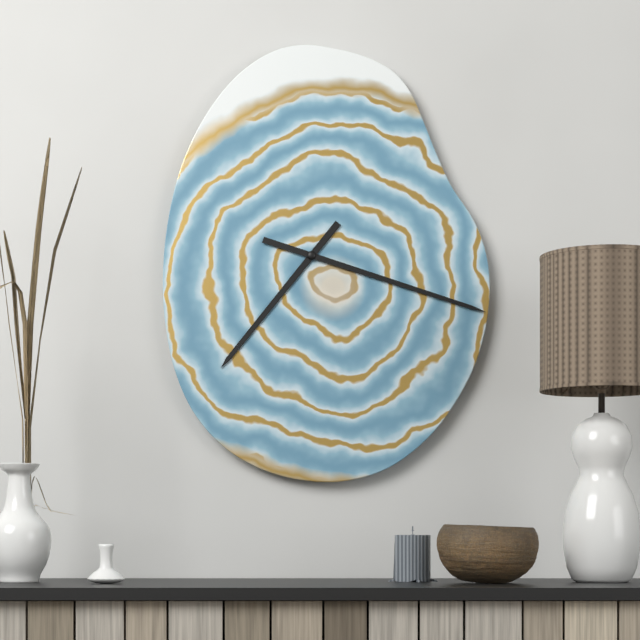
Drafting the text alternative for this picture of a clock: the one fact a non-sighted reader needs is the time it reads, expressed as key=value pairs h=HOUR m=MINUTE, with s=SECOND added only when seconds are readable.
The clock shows h=7 m=18
